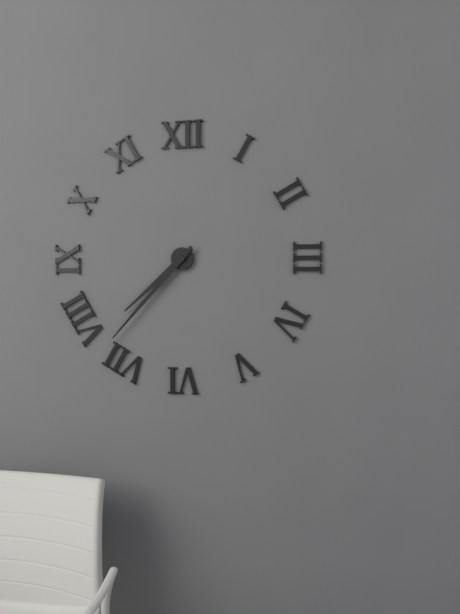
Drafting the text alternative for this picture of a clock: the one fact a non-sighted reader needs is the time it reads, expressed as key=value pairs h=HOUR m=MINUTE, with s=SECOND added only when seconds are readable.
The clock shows h=7 m=37
